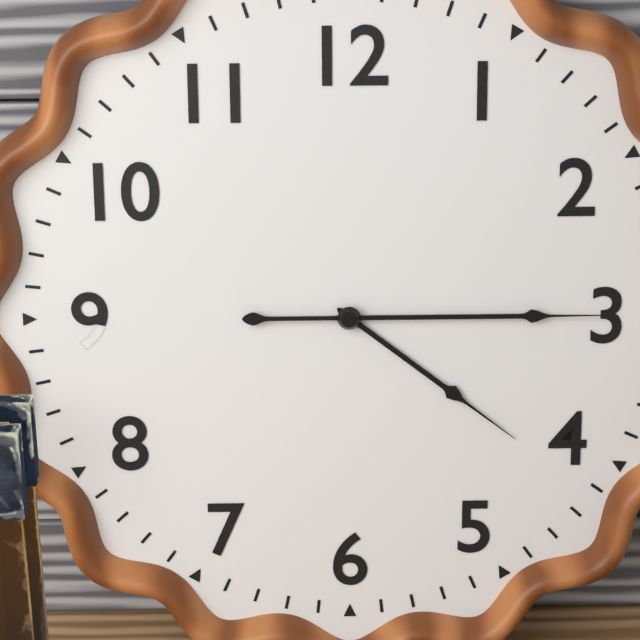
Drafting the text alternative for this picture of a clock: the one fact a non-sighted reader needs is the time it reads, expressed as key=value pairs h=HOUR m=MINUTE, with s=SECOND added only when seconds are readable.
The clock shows h=4 m=15
